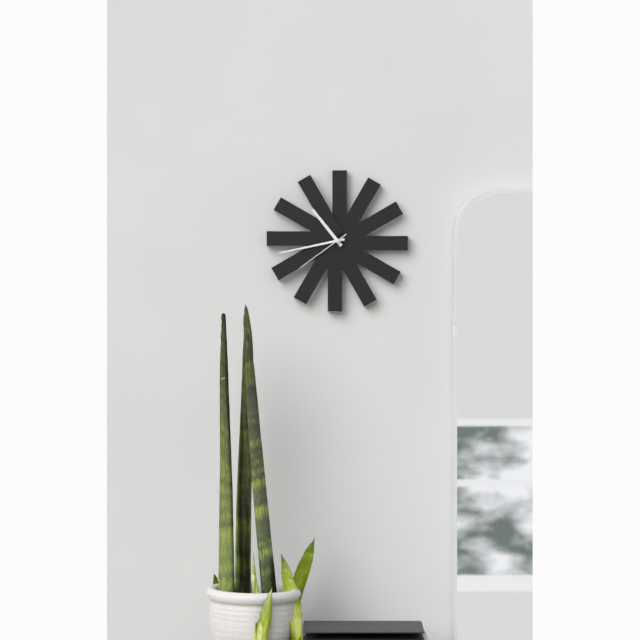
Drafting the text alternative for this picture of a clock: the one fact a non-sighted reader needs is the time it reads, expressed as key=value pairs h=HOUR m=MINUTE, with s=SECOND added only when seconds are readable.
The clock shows h=10 m=43 s=39
